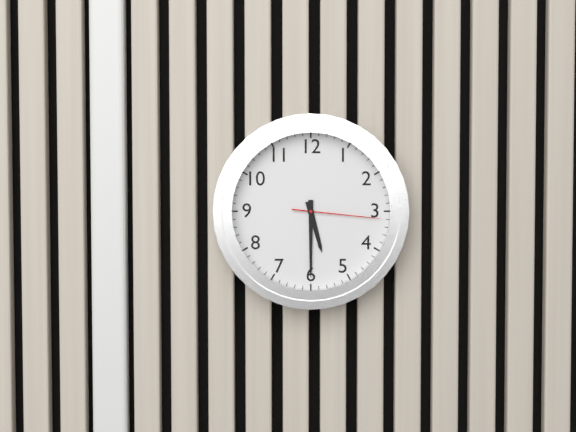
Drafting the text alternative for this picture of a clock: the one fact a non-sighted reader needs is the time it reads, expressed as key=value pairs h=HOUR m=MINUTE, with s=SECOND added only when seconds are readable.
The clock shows h=5 m=30 s=16
